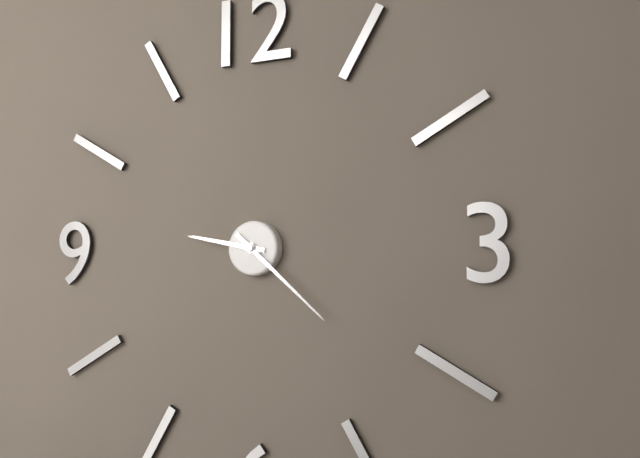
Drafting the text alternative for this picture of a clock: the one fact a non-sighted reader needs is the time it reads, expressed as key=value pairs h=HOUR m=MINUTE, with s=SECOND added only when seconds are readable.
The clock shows h=9 m=22
